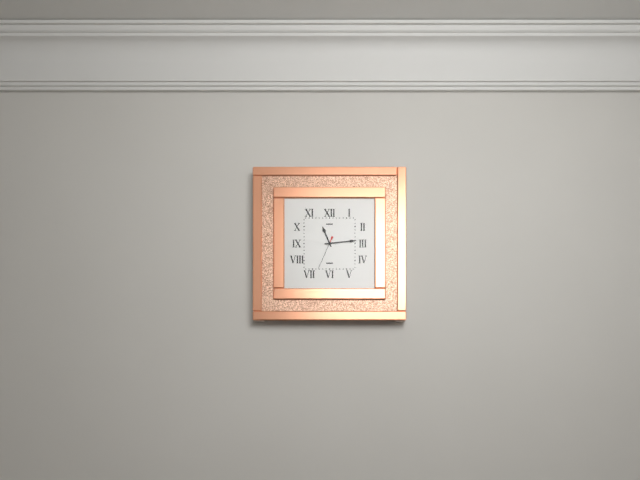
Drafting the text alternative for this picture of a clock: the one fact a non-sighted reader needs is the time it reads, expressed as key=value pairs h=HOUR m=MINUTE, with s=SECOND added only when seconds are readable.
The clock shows h=11 m=14
